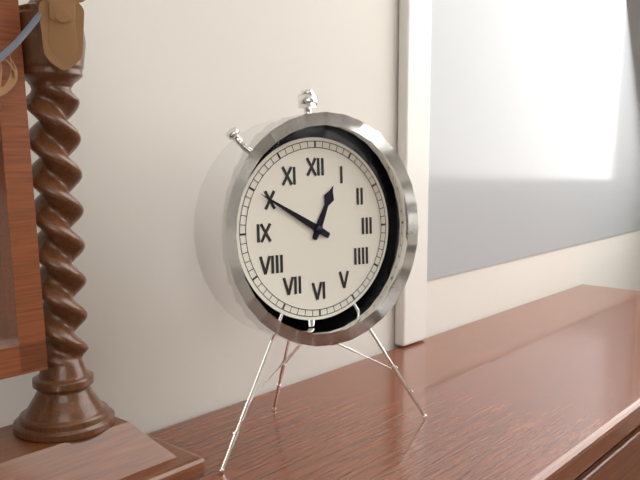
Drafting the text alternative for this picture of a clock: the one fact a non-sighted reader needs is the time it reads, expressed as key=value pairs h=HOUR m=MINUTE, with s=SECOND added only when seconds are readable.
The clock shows h=12 m=50
